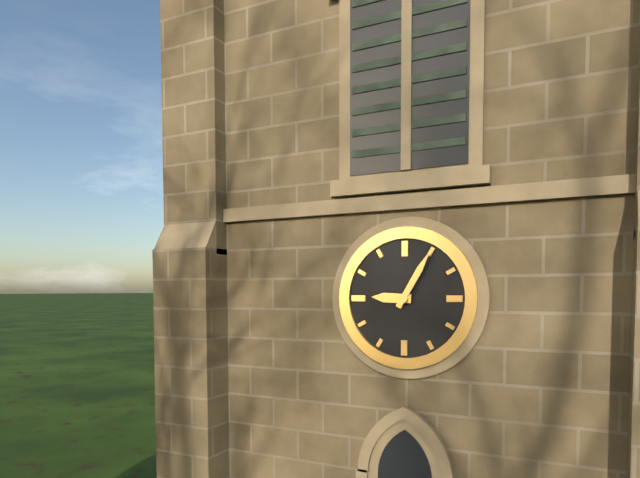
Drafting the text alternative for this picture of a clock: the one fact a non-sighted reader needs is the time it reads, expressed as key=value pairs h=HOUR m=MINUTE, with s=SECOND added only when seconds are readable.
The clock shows h=9 m=5
